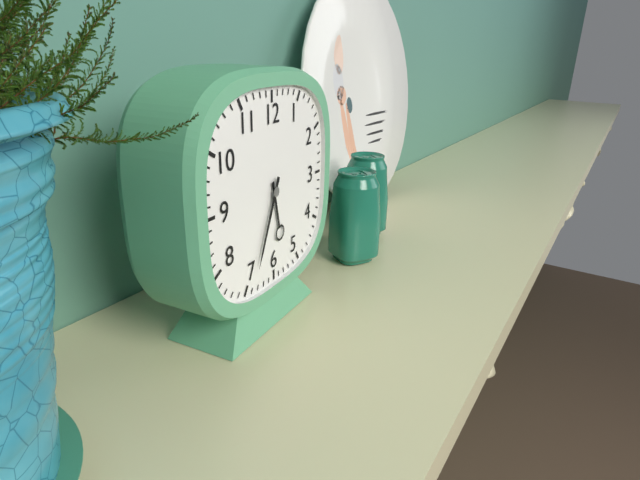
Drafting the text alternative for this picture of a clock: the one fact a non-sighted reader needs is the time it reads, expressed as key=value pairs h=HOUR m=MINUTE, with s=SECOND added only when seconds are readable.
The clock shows h=5 m=34
